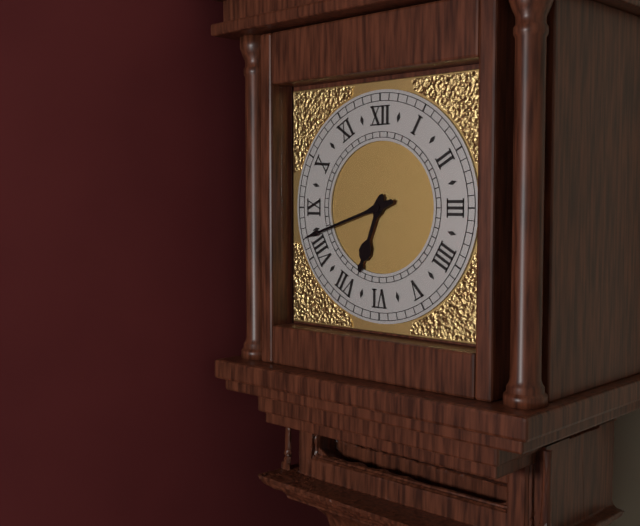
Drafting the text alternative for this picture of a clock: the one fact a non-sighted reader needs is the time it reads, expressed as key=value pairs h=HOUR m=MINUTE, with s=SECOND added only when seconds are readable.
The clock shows h=6 m=42
